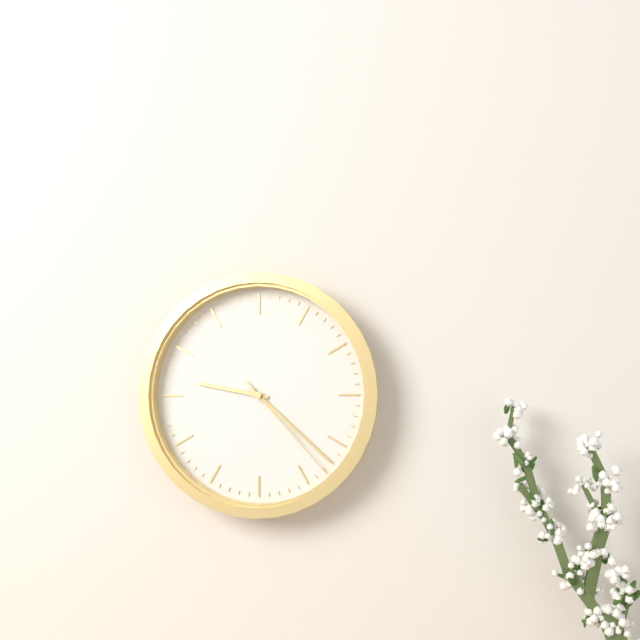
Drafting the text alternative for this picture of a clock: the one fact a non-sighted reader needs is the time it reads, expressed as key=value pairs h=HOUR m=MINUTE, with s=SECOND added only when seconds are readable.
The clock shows h=9 m=22 s=23
